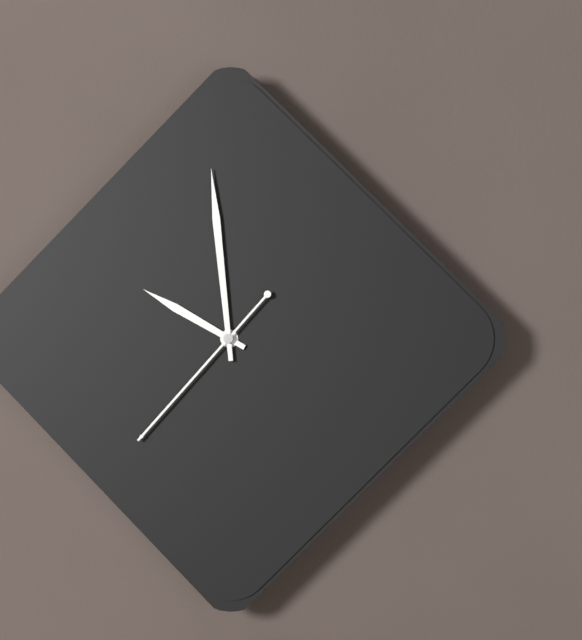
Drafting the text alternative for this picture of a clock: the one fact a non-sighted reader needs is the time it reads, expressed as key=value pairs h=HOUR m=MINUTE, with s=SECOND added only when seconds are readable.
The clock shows h=9 m=59 s=37
